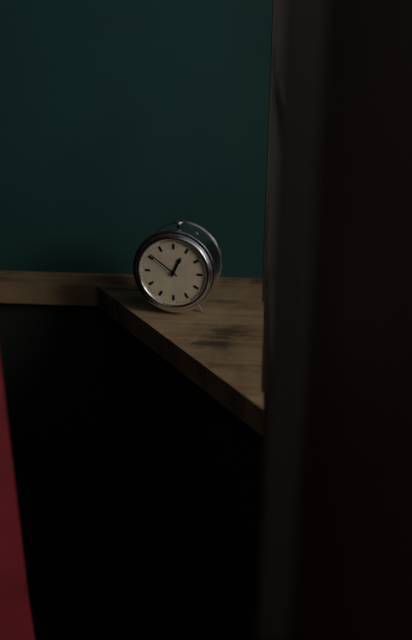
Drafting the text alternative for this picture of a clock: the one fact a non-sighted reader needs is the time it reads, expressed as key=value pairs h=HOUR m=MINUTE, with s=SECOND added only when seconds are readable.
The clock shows h=12 m=51
